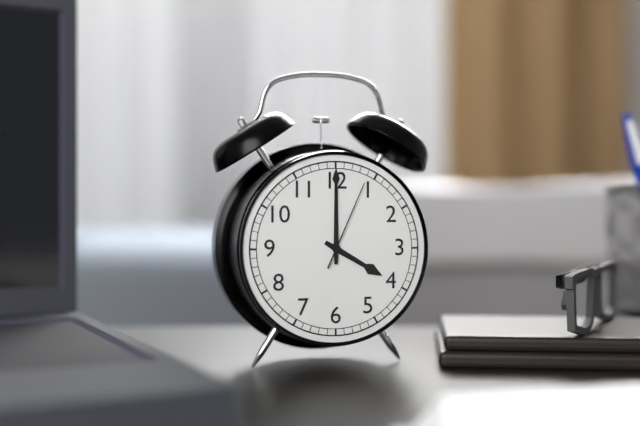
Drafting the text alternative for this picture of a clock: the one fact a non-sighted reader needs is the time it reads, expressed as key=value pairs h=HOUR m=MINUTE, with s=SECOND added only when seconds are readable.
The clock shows h=4 m=0 s=4
